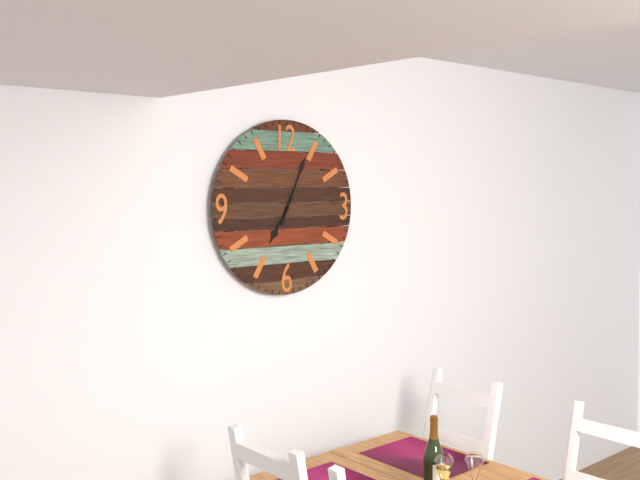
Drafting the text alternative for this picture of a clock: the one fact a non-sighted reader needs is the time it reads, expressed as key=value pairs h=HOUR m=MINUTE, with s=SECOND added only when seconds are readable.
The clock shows h=7 m=4
